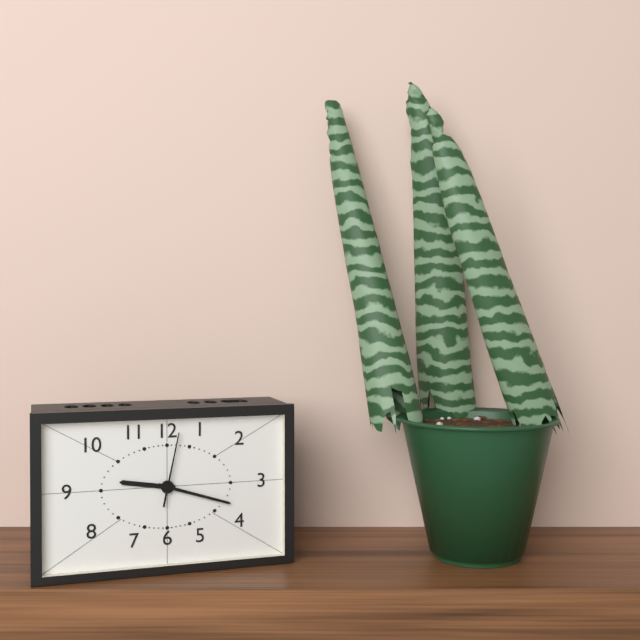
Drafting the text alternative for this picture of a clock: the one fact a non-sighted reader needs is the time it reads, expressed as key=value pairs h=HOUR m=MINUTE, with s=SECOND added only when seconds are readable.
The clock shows h=9 m=18 s=2
